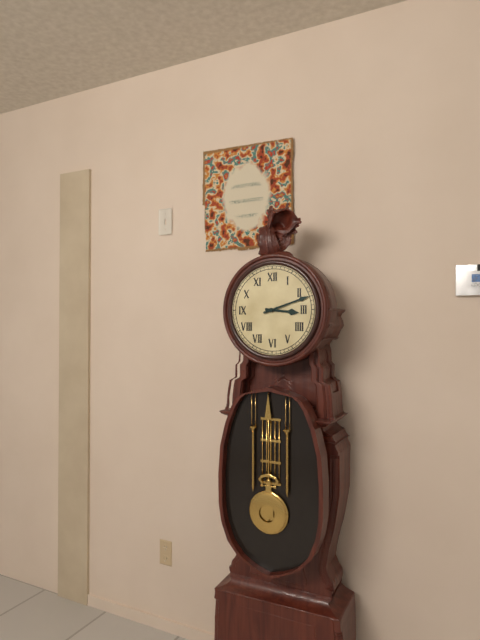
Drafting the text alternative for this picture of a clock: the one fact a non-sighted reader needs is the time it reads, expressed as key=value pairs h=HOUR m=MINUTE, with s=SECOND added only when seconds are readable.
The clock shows h=3 m=12
